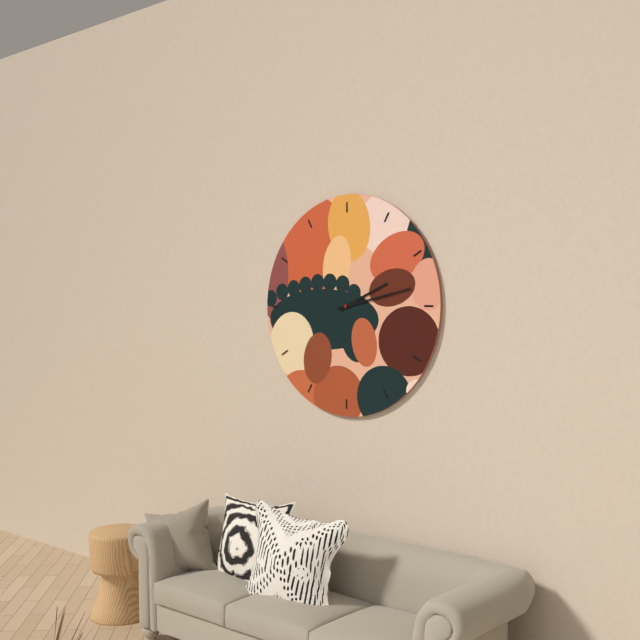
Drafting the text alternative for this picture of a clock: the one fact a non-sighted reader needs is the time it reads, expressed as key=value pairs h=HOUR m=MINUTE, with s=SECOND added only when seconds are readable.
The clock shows h=2 m=13
